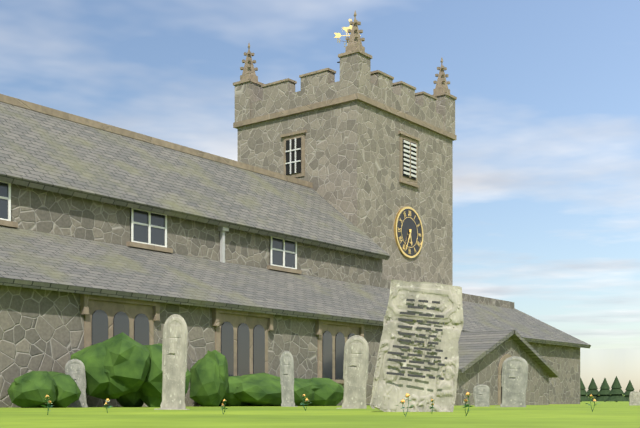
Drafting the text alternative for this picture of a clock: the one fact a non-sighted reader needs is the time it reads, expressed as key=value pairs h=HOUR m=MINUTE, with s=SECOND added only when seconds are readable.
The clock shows h=5 m=34
